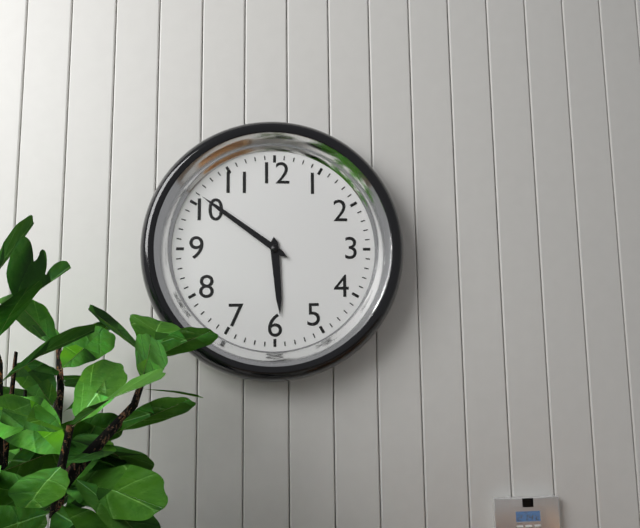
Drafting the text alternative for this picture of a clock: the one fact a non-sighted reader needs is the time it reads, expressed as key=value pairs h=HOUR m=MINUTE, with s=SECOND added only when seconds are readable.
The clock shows h=5 m=51
